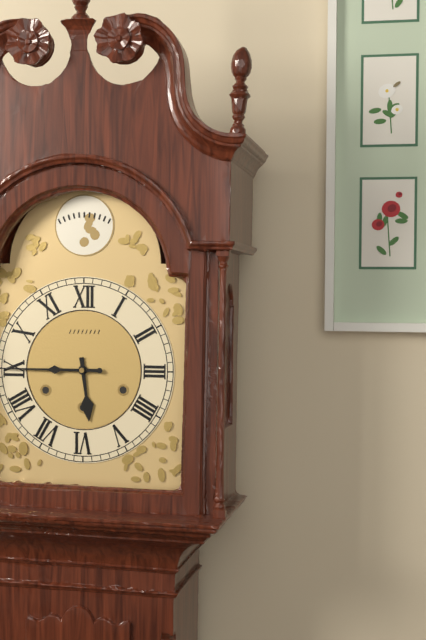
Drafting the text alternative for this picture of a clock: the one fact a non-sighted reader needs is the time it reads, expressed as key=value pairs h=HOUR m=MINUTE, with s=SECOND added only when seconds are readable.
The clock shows h=5 m=45
